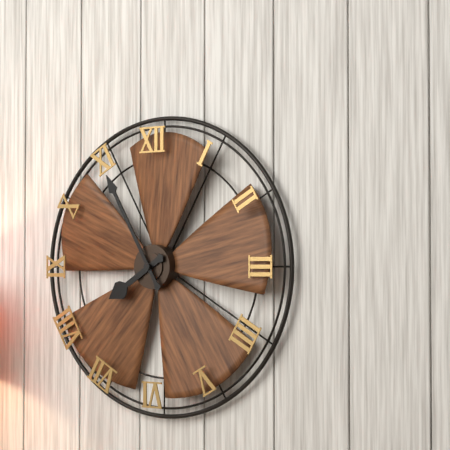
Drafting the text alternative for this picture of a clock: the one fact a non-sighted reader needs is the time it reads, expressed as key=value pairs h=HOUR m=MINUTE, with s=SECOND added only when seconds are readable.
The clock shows h=7 m=55
